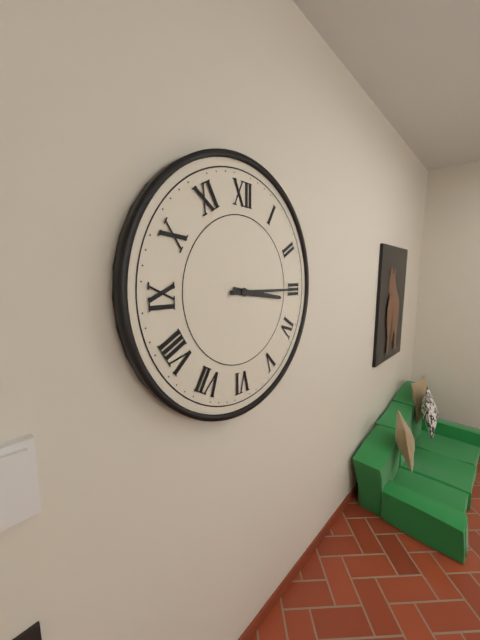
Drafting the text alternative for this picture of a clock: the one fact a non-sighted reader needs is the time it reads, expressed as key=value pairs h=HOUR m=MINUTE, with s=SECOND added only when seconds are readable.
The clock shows h=3 m=15
